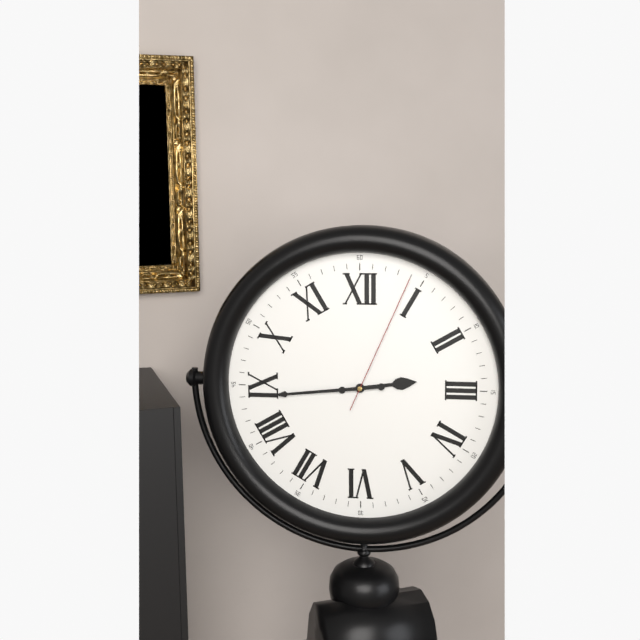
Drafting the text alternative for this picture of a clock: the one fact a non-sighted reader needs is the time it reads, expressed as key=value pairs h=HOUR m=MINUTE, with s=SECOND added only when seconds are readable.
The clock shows h=2 m=44 s=4
